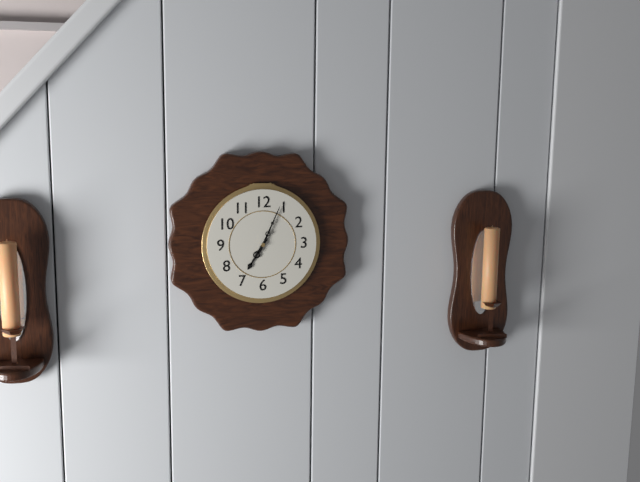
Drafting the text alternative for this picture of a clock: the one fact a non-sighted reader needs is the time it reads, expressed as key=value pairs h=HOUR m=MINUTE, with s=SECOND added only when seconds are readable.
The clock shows h=7 m=4
